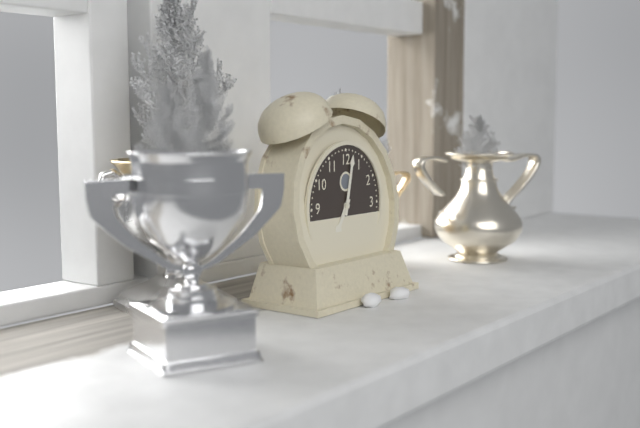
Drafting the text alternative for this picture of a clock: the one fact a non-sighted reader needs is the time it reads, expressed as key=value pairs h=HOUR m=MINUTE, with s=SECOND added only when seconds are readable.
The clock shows h=7 m=2
